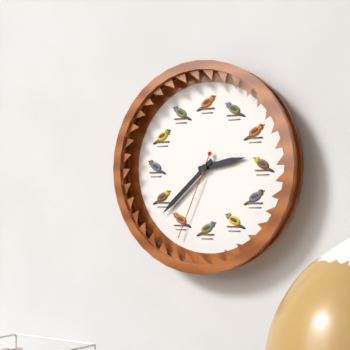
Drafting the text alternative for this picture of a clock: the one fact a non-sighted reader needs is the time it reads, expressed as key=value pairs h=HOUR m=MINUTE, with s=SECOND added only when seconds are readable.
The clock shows h=2 m=38 s=34
